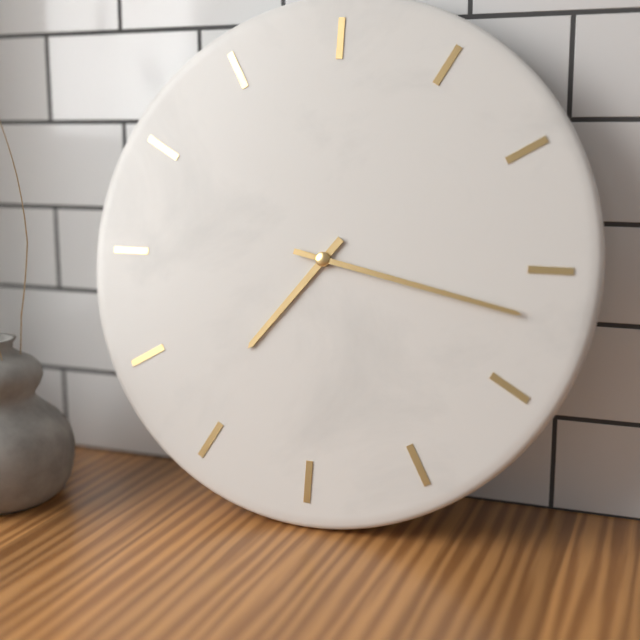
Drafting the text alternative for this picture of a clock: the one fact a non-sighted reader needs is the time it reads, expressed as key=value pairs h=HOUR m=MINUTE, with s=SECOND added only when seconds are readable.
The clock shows h=7 m=17
